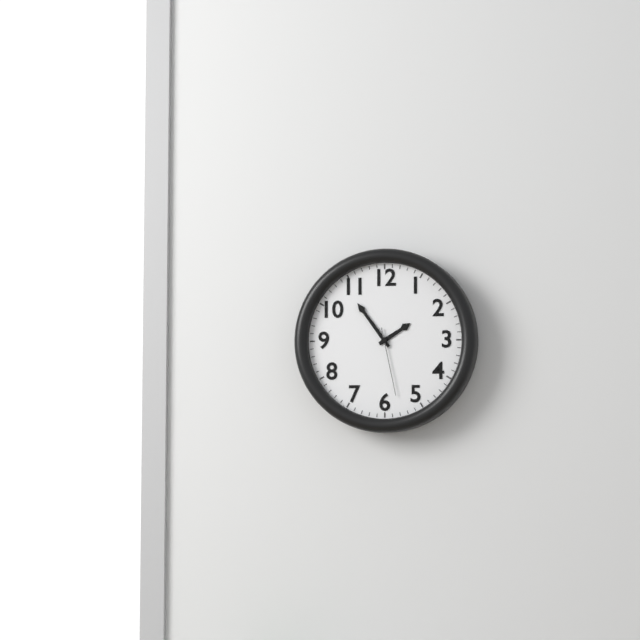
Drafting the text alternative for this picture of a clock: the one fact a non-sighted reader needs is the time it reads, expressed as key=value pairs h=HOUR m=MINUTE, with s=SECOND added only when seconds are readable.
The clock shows h=1 m=54 s=28
